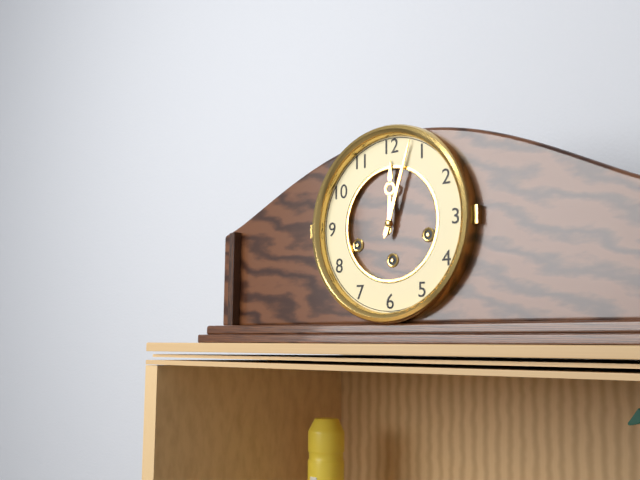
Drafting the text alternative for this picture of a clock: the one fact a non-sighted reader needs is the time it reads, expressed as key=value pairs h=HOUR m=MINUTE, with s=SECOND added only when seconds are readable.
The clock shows h=12 m=3
